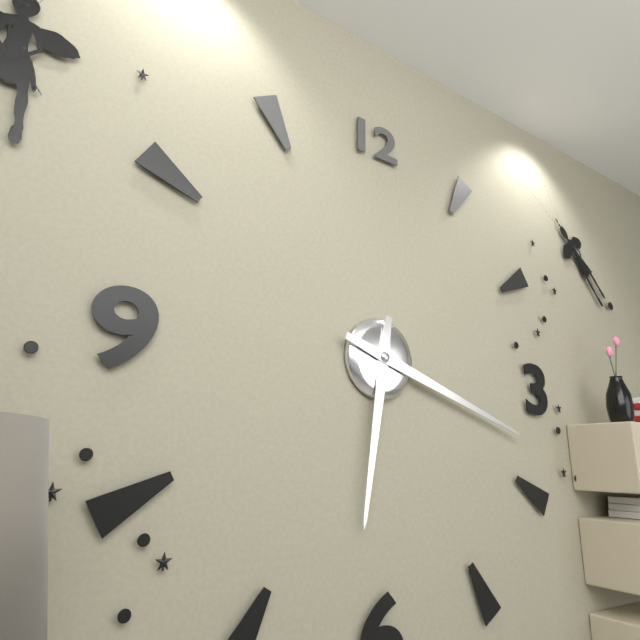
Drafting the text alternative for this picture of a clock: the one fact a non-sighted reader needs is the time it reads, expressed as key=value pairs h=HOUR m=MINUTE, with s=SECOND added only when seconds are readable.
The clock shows h=6 m=18
